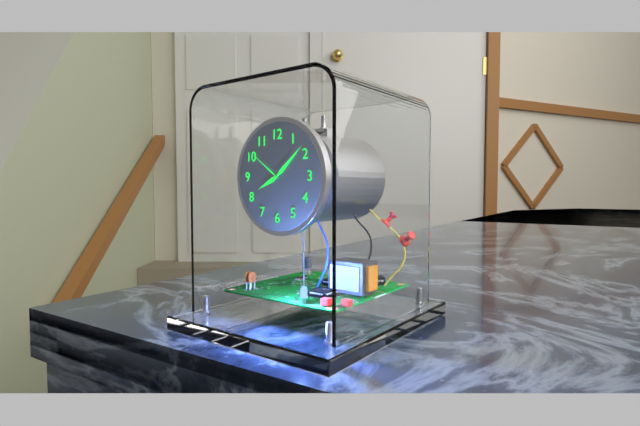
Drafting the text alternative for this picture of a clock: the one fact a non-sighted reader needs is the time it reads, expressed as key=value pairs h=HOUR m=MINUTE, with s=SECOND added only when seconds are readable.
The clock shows h=8 m=8
